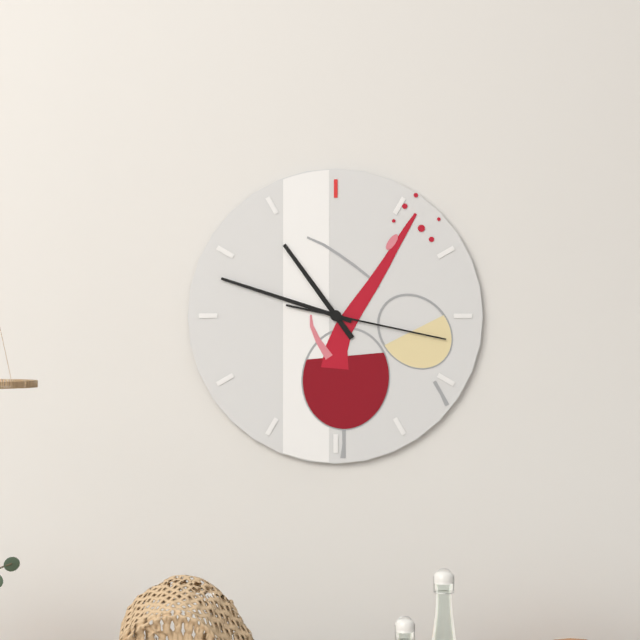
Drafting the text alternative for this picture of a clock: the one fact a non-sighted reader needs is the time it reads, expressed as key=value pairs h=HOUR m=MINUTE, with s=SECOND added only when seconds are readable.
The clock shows h=10 m=48 s=17
